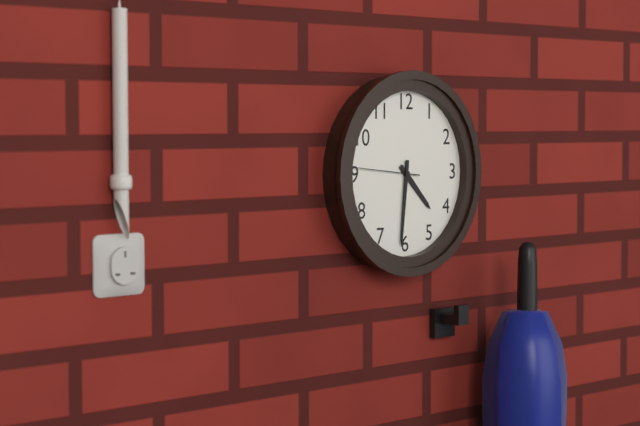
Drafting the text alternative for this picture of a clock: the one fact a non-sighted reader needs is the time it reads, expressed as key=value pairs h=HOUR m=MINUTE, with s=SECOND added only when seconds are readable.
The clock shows h=4 m=31 s=46
